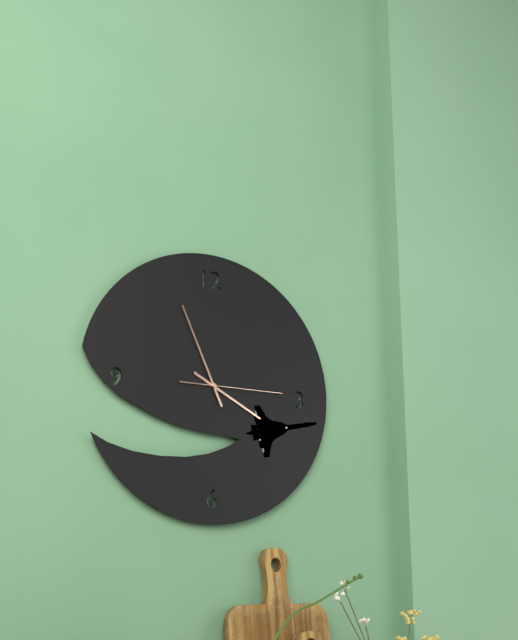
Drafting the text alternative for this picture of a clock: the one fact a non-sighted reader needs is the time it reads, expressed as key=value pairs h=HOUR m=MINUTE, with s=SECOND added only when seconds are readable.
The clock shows h=3 m=56 s=15
